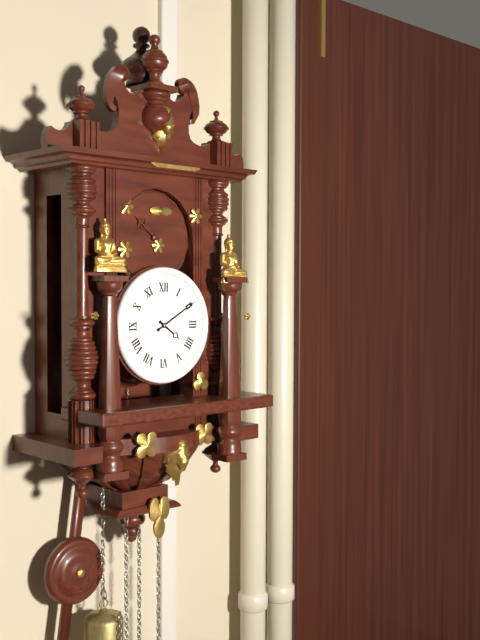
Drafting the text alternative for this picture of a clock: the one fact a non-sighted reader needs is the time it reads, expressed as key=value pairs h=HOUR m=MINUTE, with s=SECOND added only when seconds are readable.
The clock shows h=4 m=10
